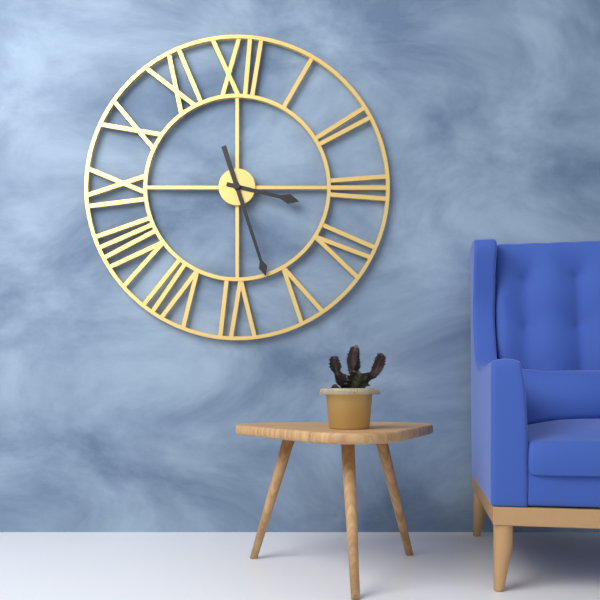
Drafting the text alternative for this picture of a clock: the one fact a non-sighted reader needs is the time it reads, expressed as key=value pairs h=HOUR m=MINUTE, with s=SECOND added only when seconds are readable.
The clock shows h=3 m=27
